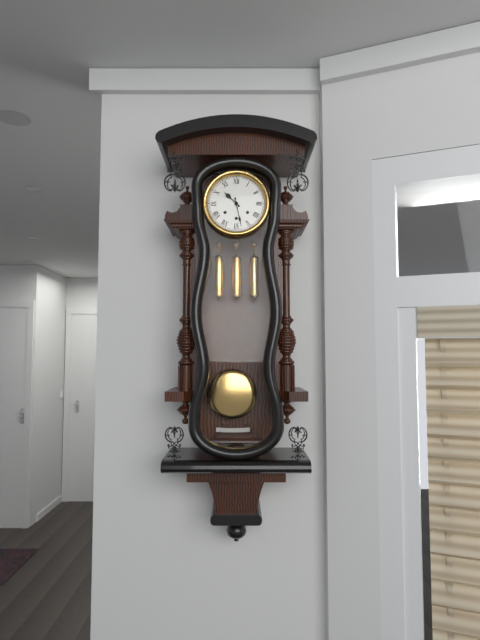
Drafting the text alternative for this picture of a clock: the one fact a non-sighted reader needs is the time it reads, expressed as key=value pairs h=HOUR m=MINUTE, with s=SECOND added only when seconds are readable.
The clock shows h=10 m=28
